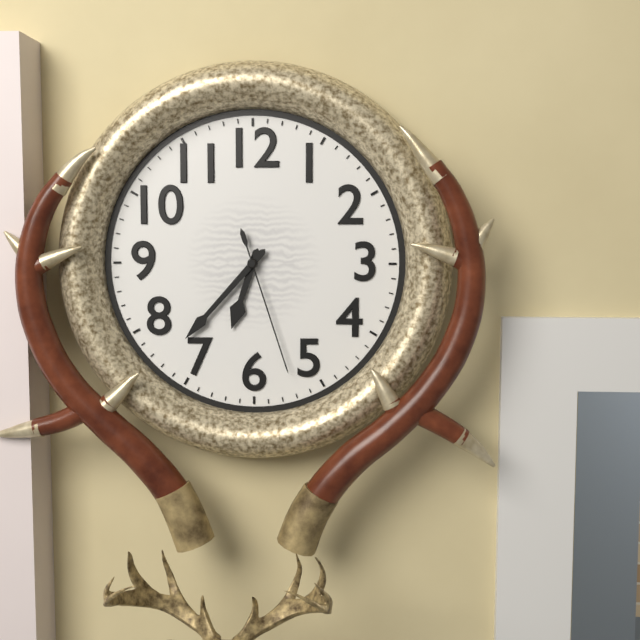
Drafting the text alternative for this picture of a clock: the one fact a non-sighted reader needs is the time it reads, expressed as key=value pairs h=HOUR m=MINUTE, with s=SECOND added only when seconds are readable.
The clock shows h=6 m=37 s=27
